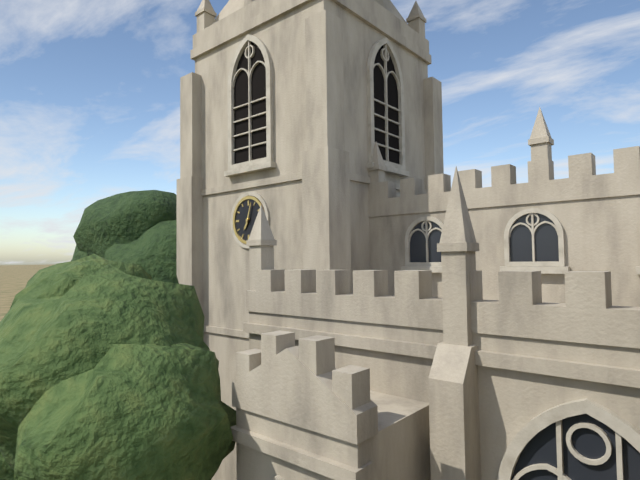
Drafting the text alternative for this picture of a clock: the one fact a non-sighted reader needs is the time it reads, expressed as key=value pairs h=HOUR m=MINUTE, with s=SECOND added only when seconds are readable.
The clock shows h=7 m=3
